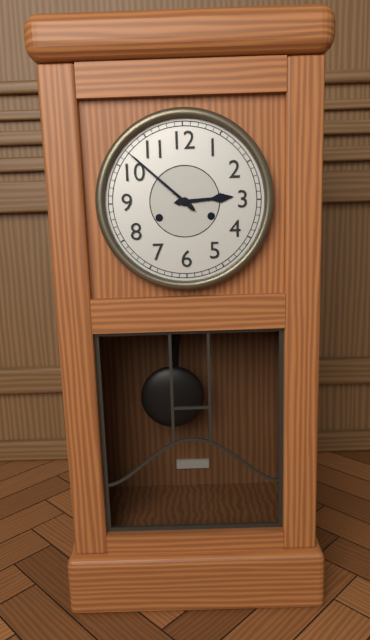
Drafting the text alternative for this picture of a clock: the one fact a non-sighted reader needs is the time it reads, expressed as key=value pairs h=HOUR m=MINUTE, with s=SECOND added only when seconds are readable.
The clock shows h=2 m=52
